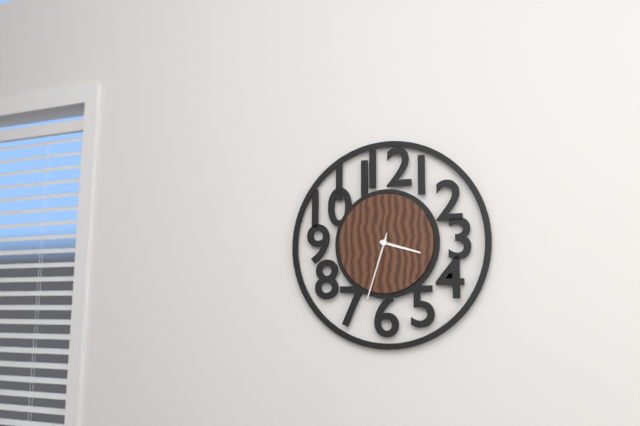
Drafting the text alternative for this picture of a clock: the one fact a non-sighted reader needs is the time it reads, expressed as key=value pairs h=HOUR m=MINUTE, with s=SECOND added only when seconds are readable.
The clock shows h=3 m=33 s=33
